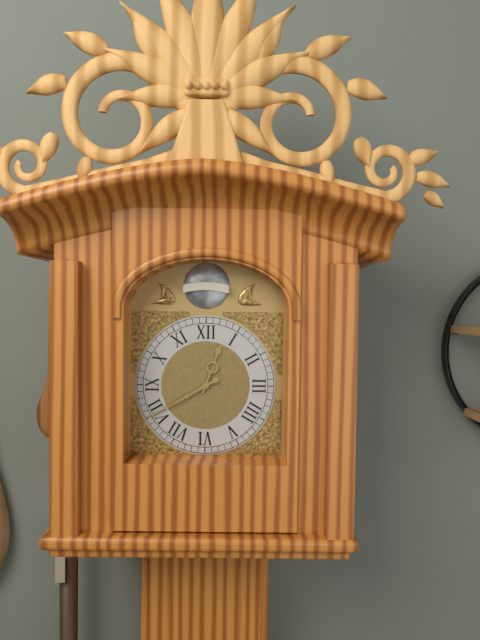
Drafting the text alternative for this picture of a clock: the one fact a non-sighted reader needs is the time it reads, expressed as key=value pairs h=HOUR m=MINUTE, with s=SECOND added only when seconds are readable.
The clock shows h=12 m=40
